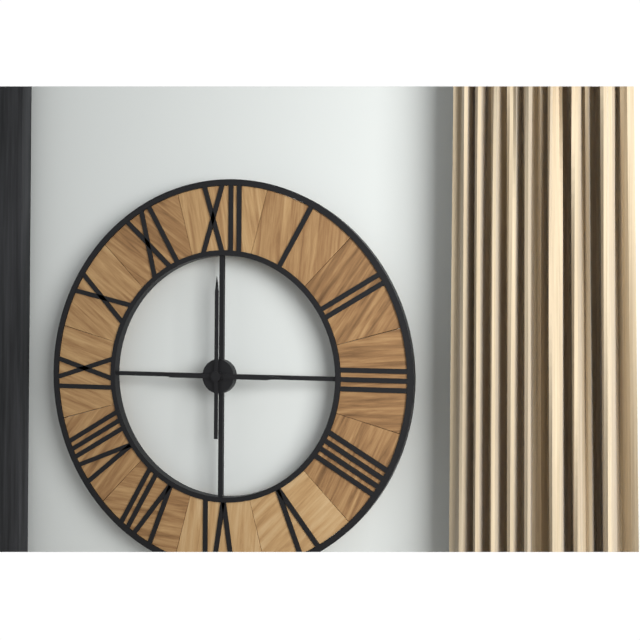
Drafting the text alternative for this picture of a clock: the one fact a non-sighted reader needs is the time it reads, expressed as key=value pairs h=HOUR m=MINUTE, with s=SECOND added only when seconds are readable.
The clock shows h=3 m=0
